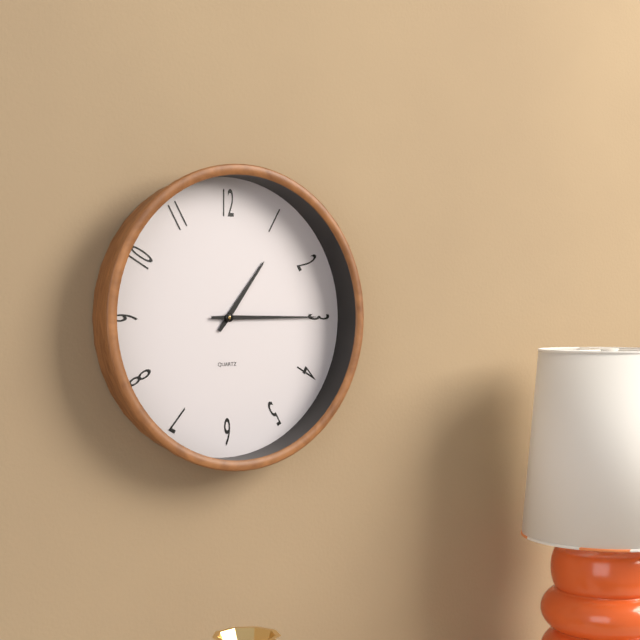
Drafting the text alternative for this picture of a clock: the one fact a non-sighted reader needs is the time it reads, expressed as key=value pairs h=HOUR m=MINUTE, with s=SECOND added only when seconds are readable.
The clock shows h=1 m=15
